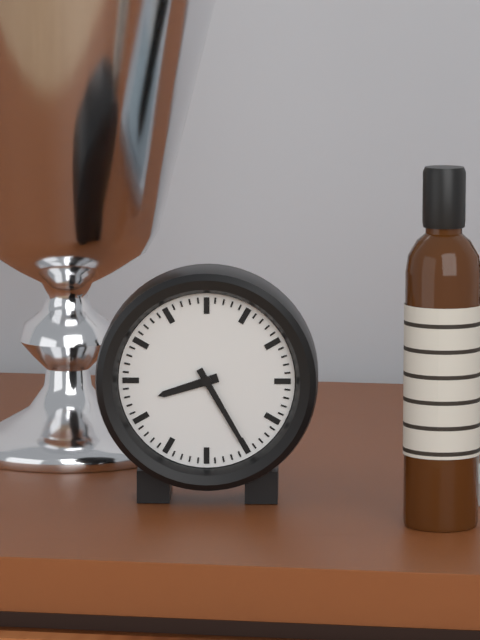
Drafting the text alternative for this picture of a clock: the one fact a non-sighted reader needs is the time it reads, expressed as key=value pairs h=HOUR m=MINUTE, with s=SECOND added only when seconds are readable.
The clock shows h=8 m=25
